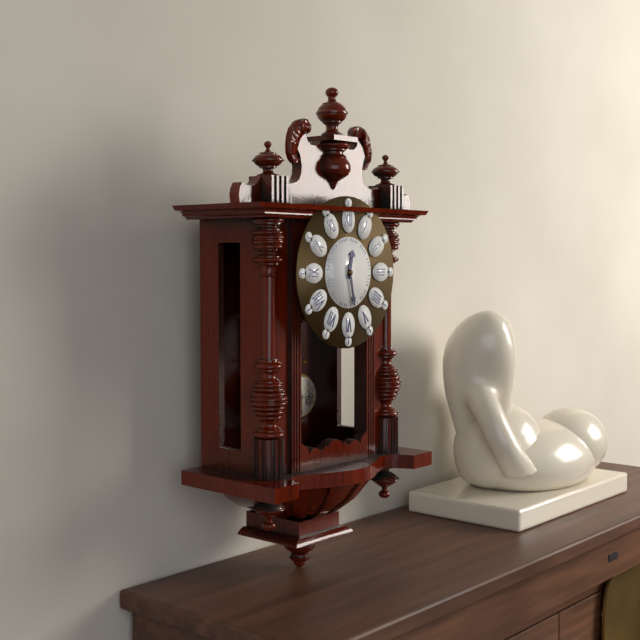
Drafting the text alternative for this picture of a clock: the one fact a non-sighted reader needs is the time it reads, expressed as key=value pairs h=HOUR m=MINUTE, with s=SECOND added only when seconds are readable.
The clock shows h=12 m=28
